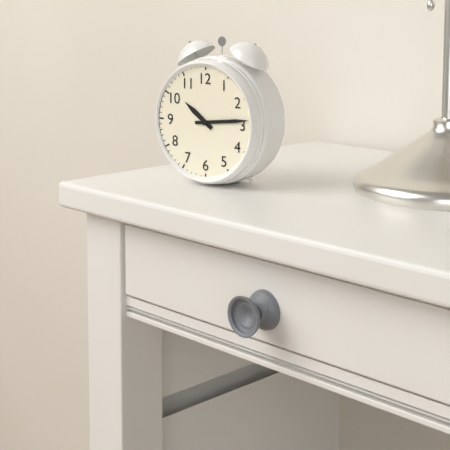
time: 10:14
